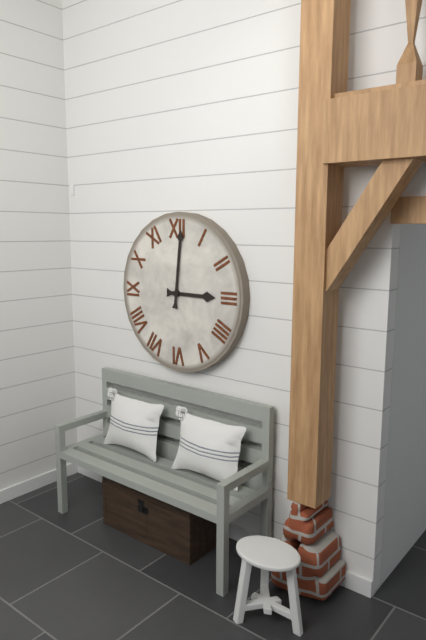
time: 3:01
